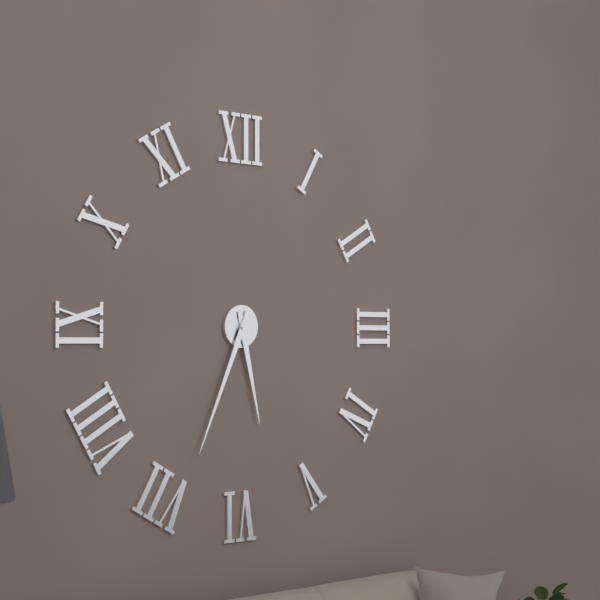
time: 5:34
